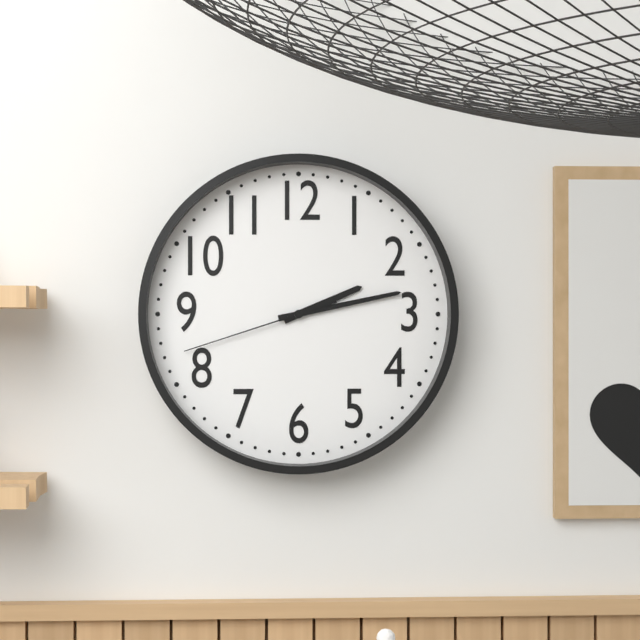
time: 2:13:42
